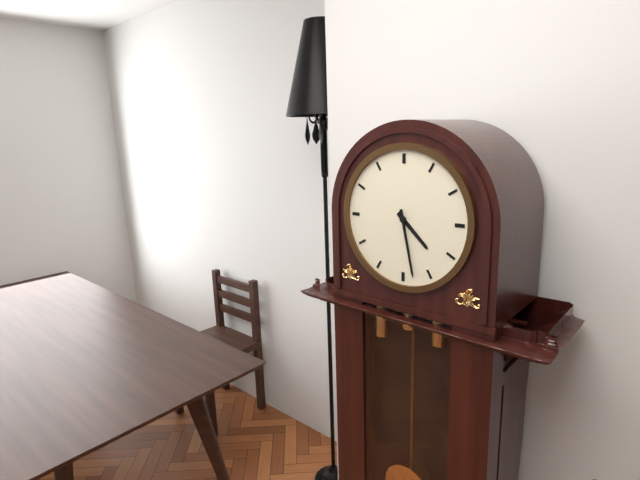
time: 4:28
